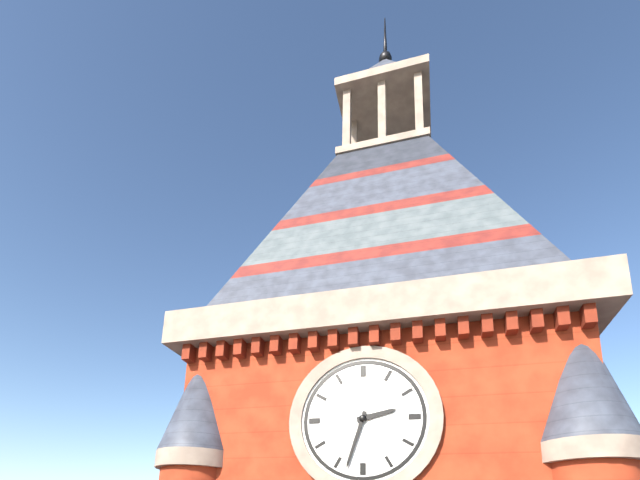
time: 2:33
